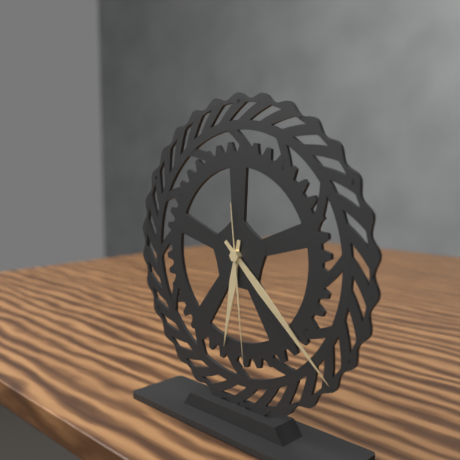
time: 6:22:29
